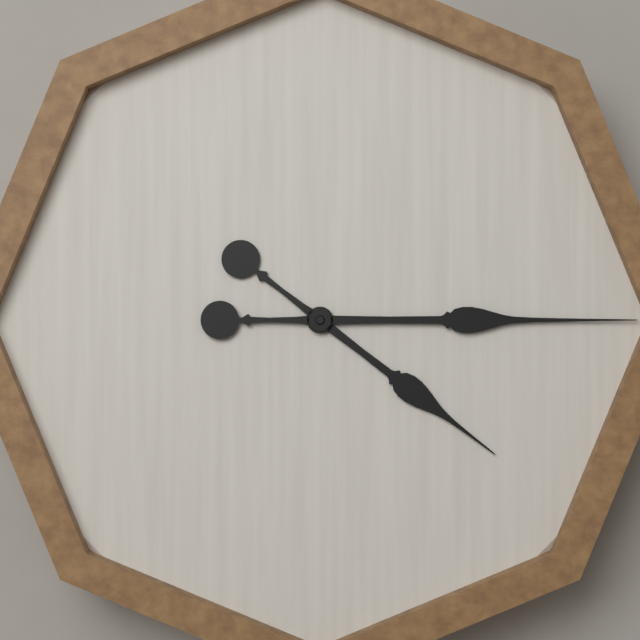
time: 4:15
